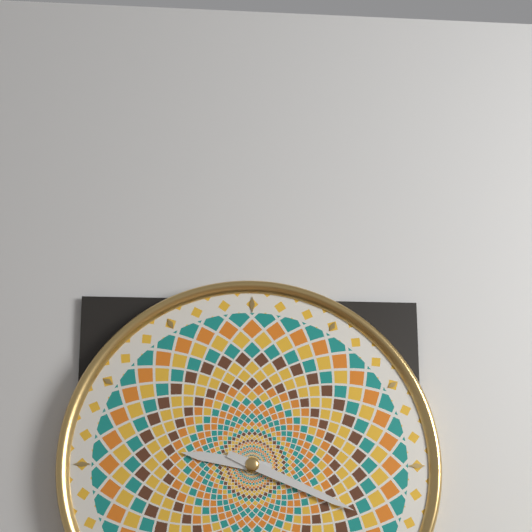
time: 9:19
